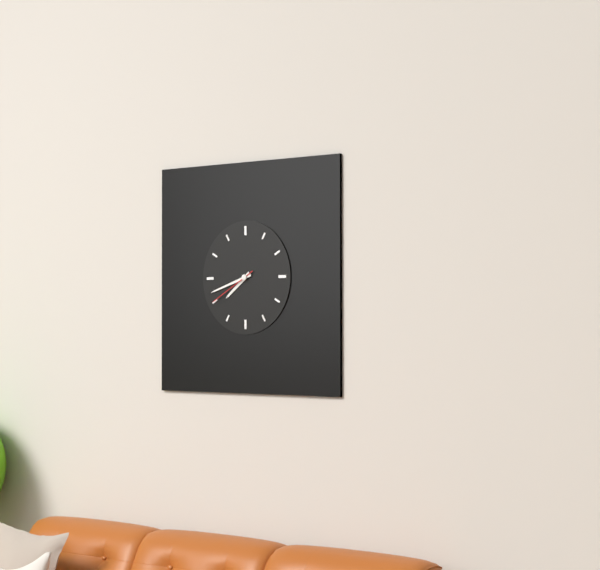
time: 7:42:40
